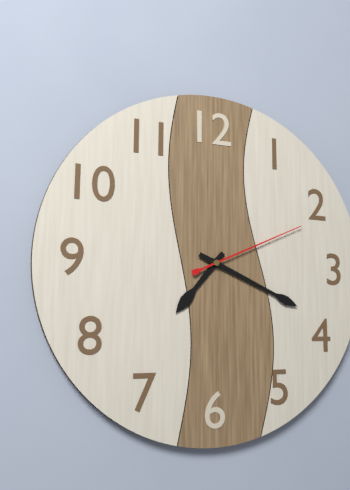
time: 7:19:11
